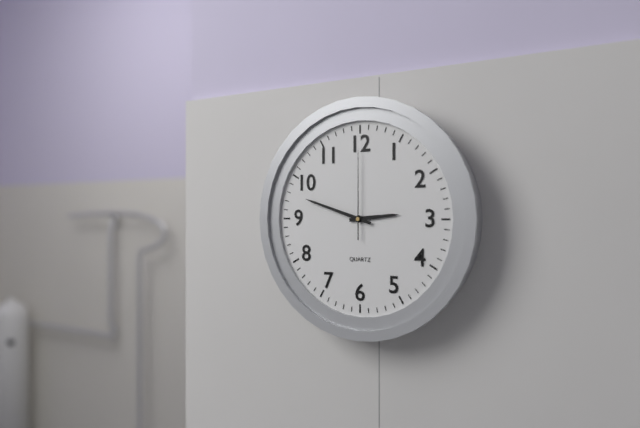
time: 2:48:00
